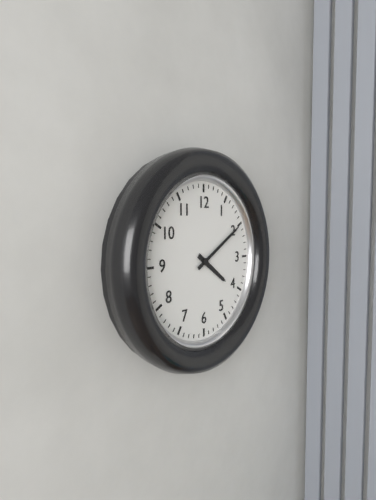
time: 4:10
